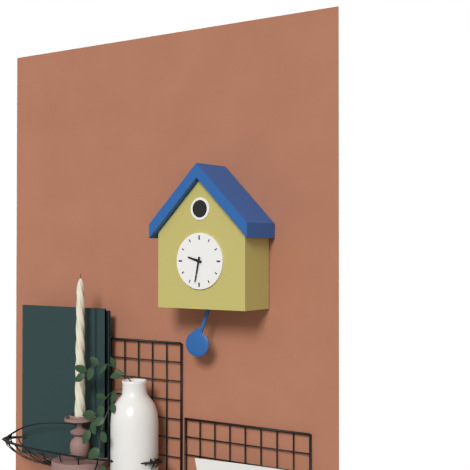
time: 9:32
